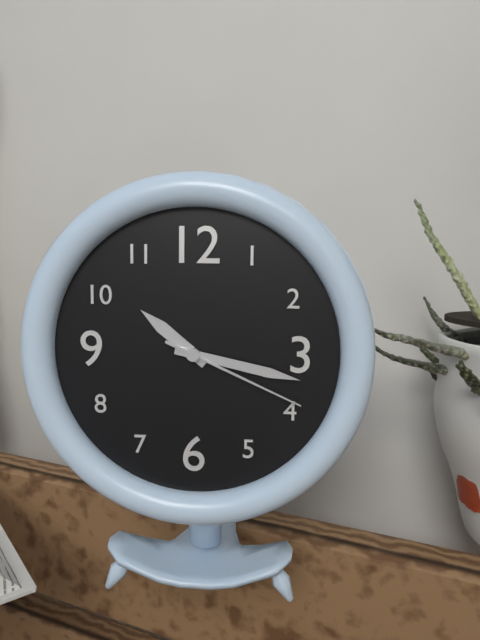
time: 10:17:19
